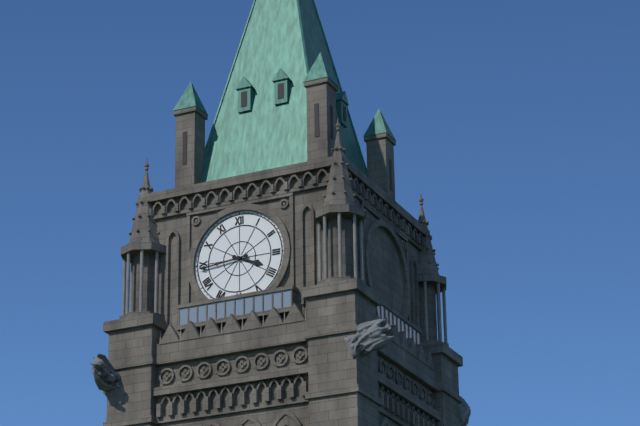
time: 3:44
